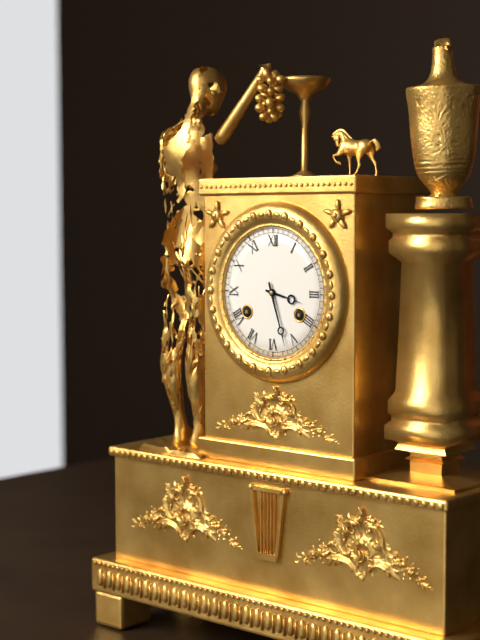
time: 3:27
